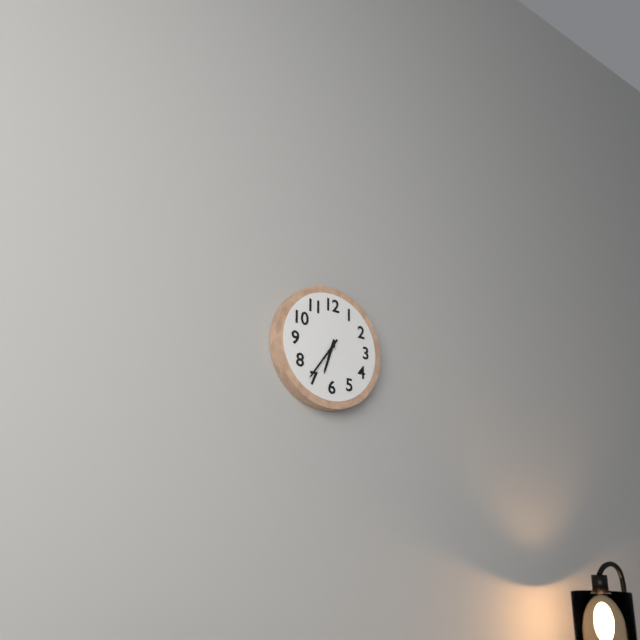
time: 6:36
